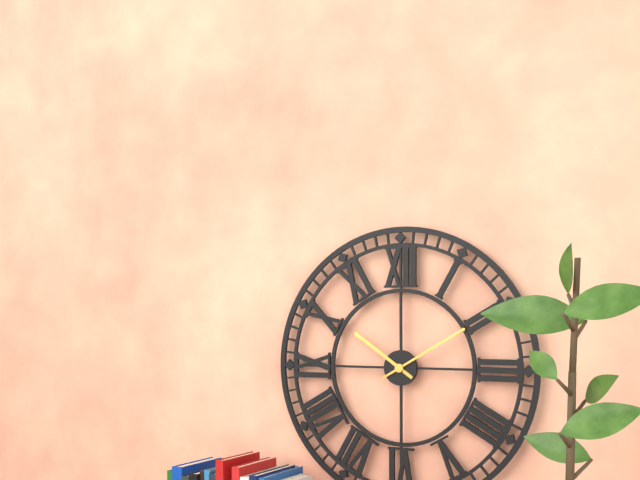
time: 10:10
